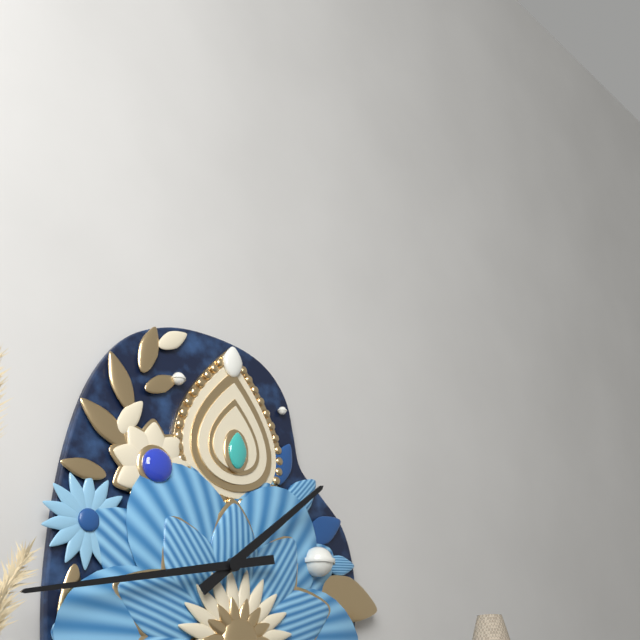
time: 1:43
